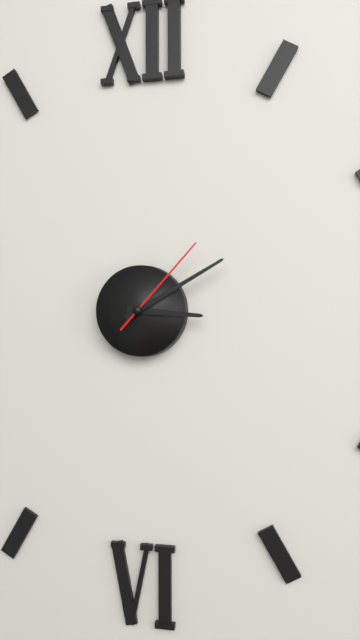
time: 3:10:07
